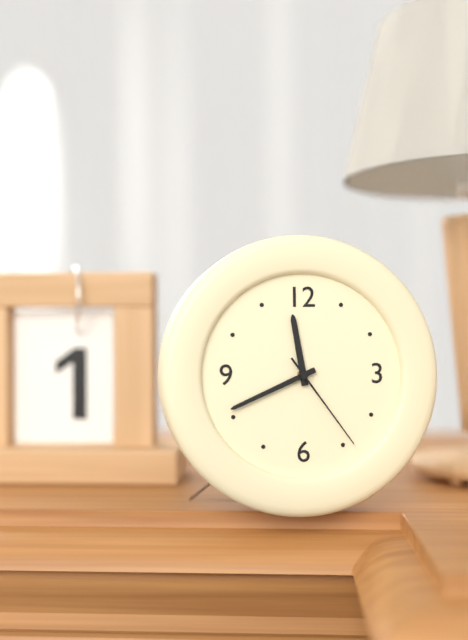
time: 11:41:24
